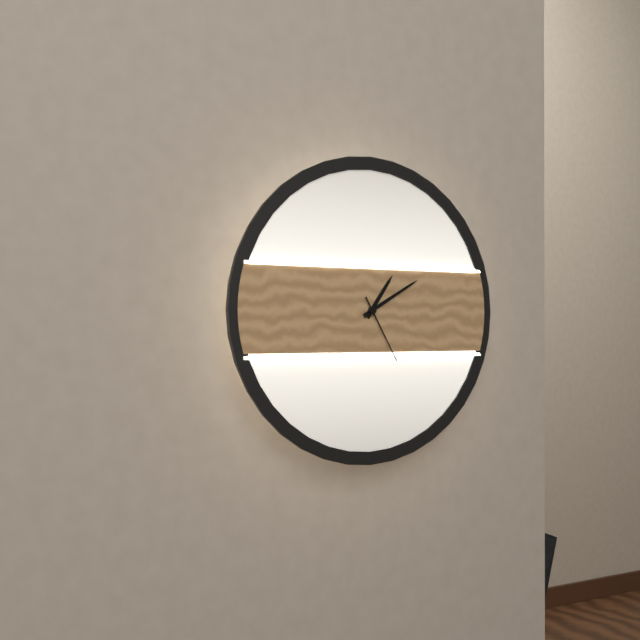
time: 1:10:25
